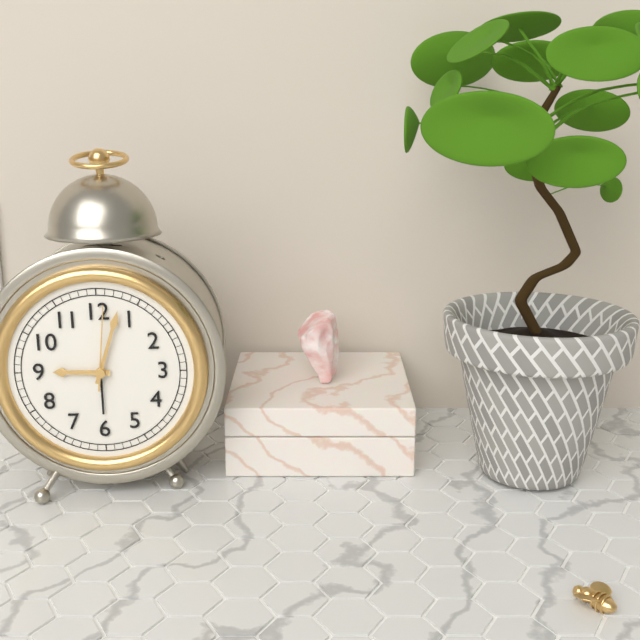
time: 9:03:01
